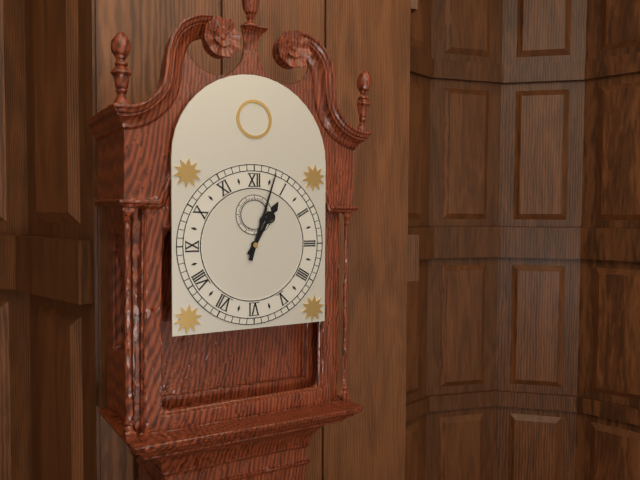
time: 1:03
